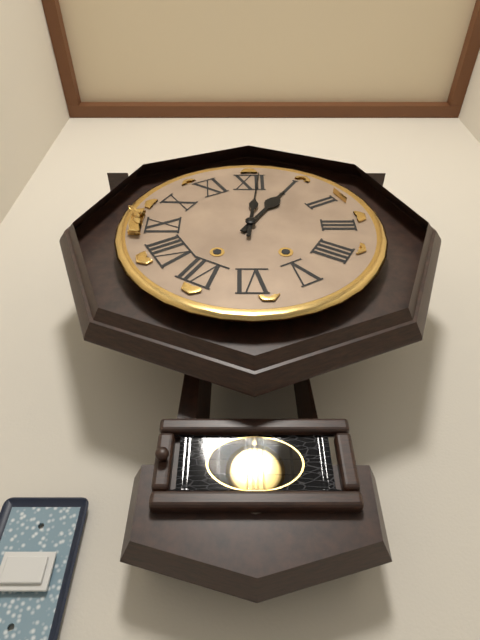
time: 1:01
